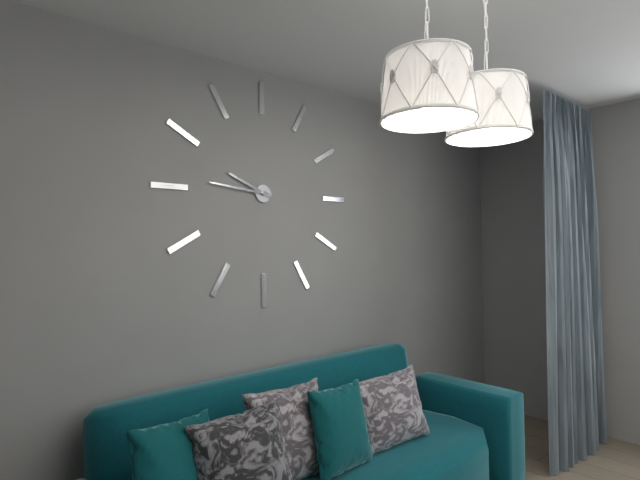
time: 9:46
